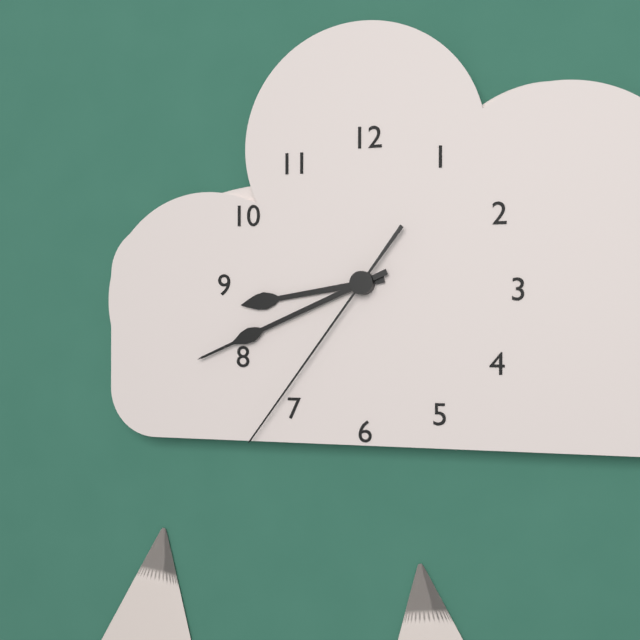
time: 8:41:36
